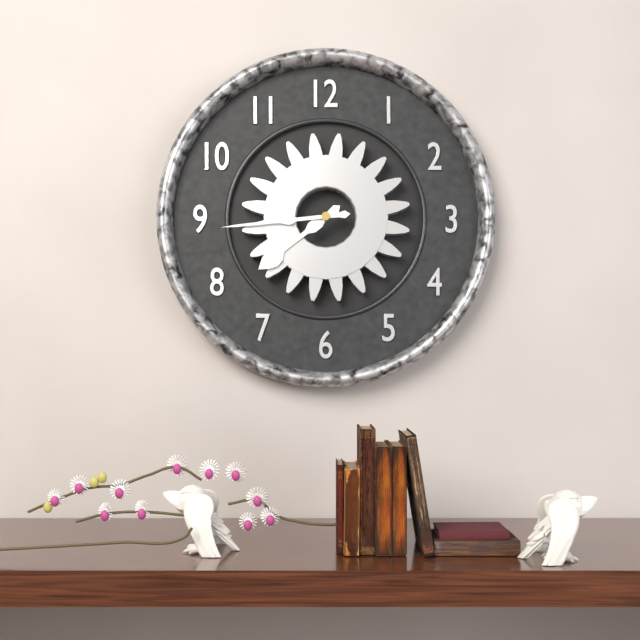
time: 7:44
